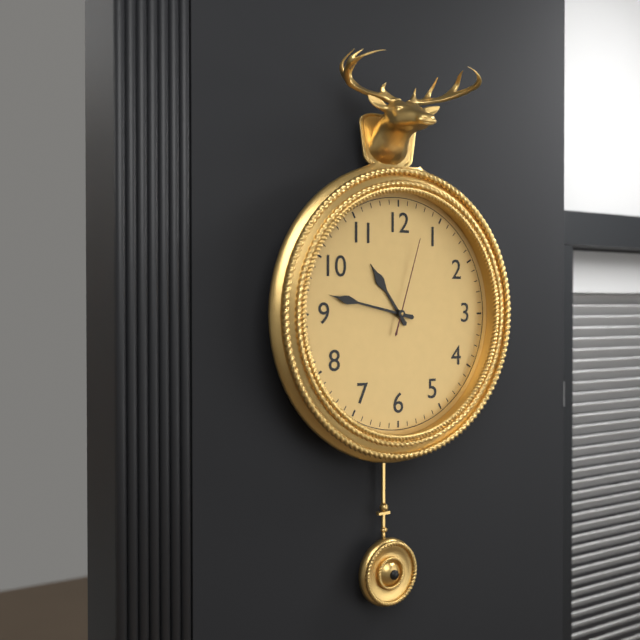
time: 10:47:03
